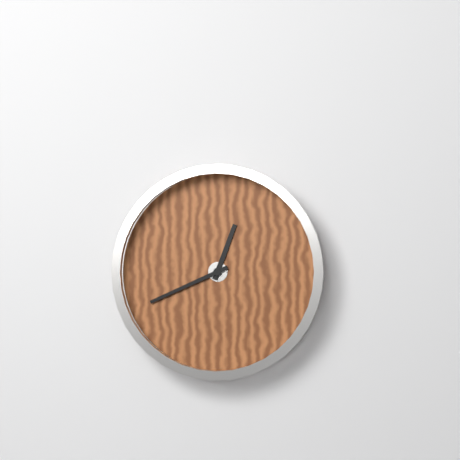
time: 12:41
